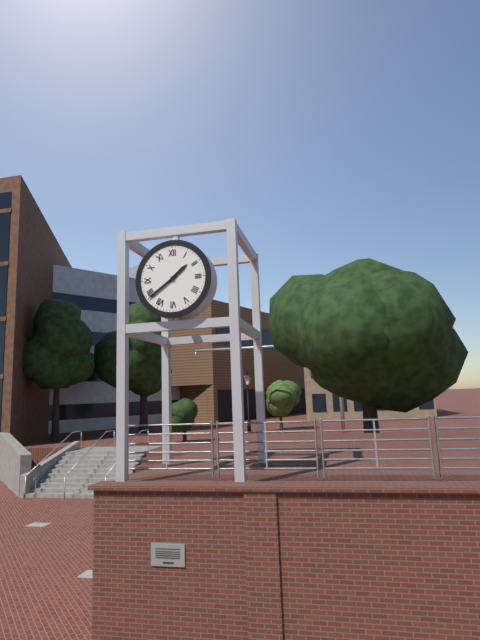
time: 1:39
